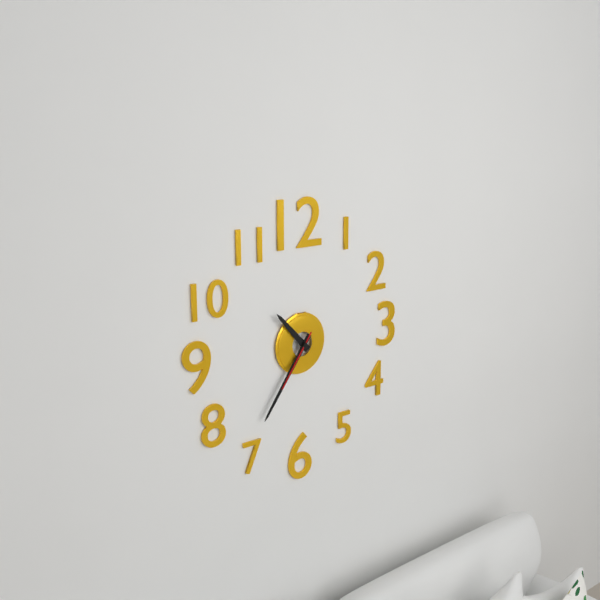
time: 10:36:36
